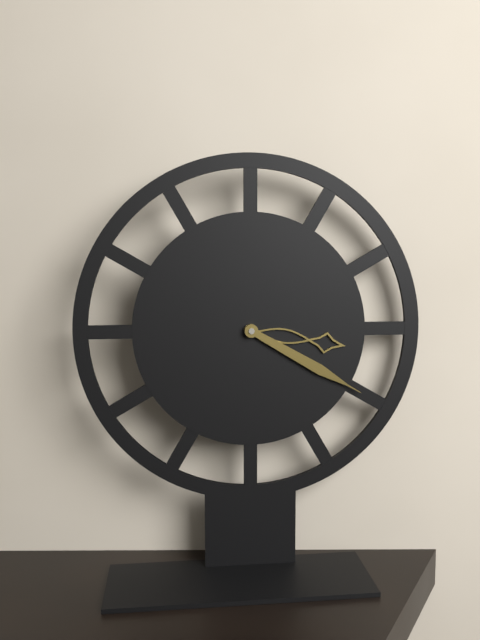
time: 3:20
